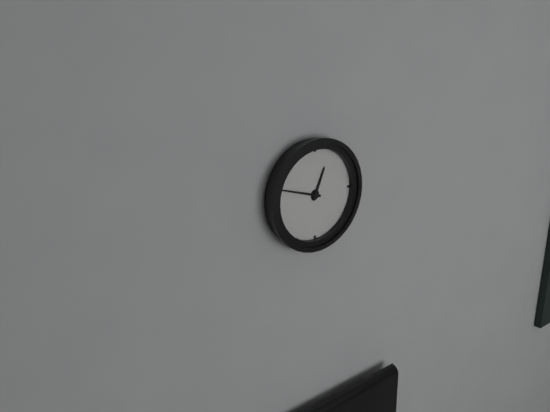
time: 12:48
